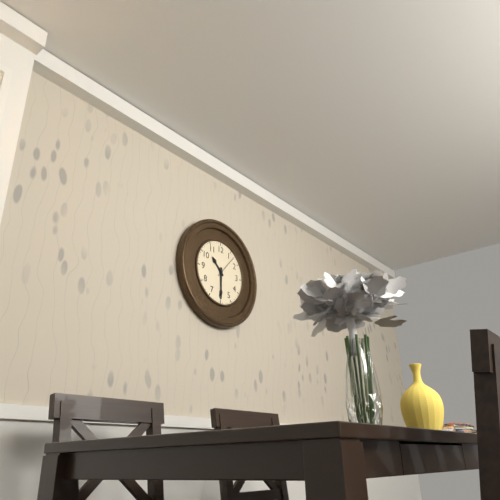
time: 10:30
